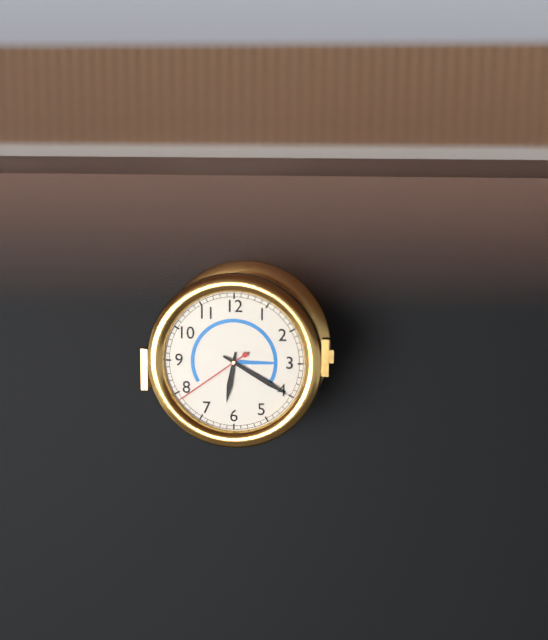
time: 6:20:39
